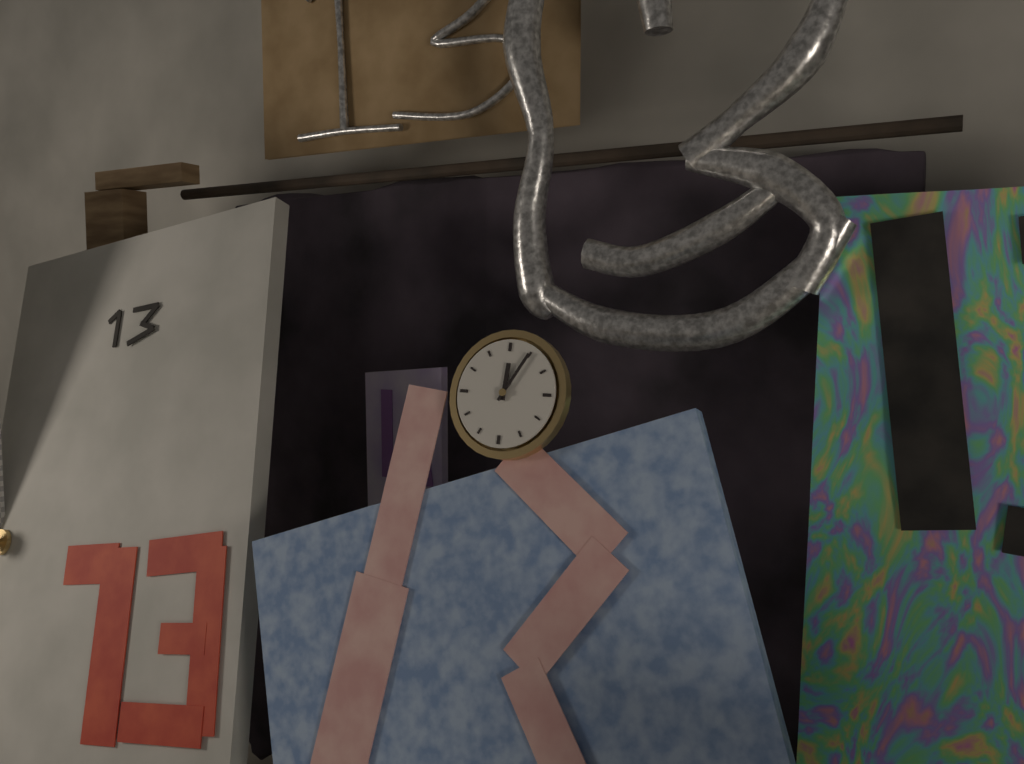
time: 12:05
